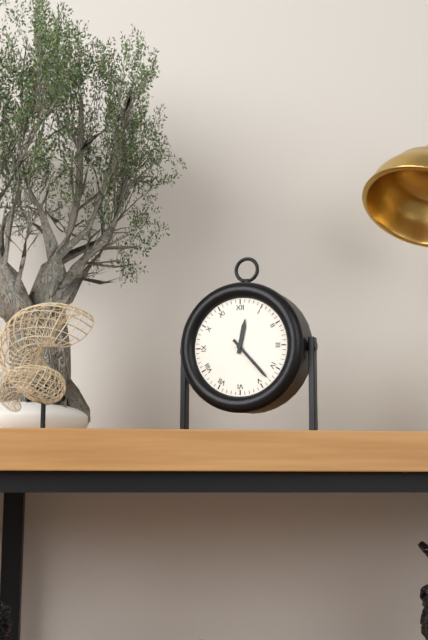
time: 12:23
